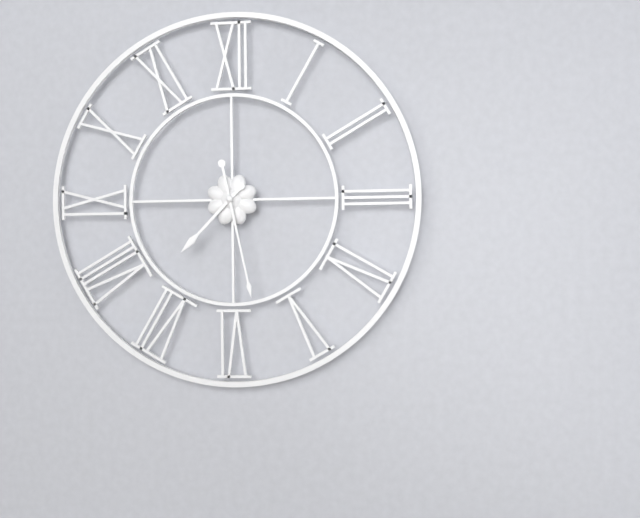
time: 7:28
